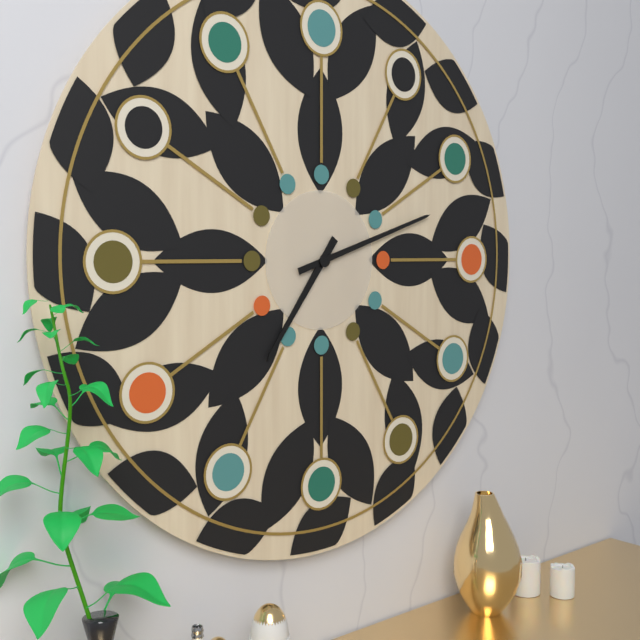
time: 7:12
